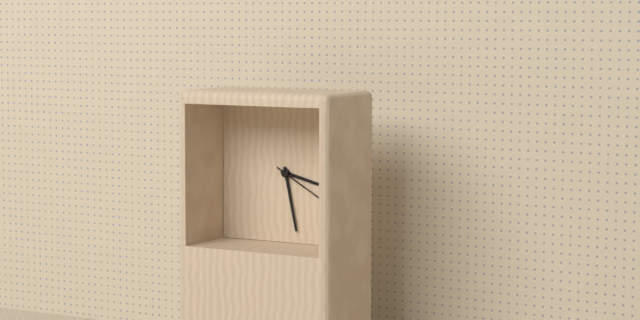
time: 3:28:20
